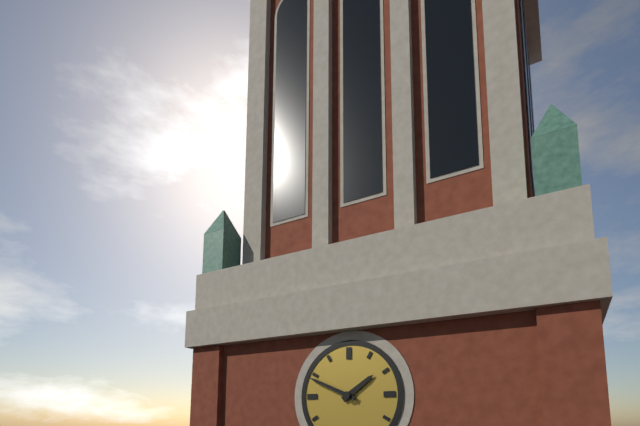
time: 1:49
